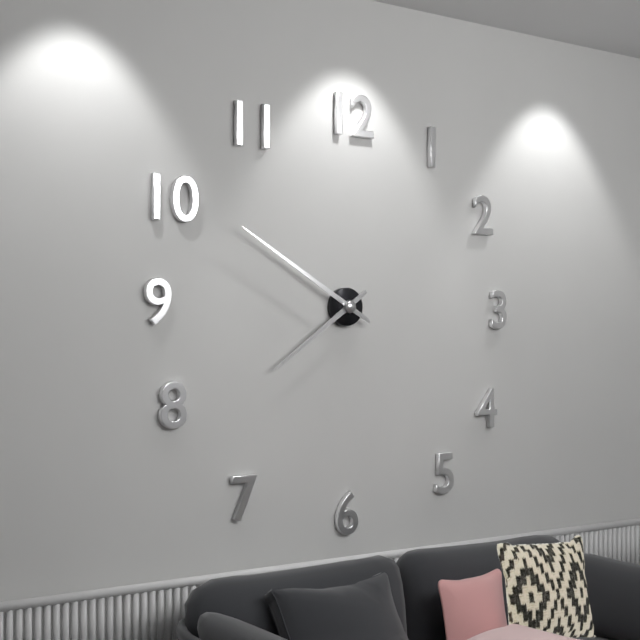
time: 7:50
